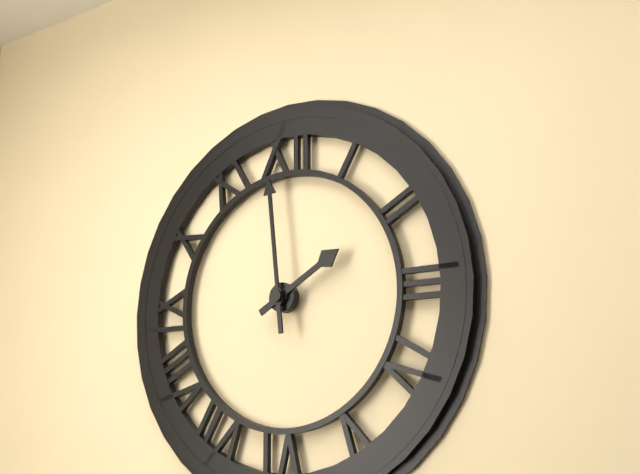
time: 1:59
